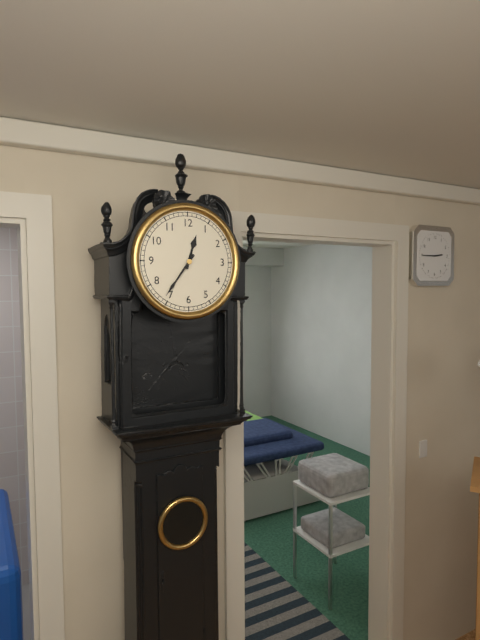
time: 12:36
